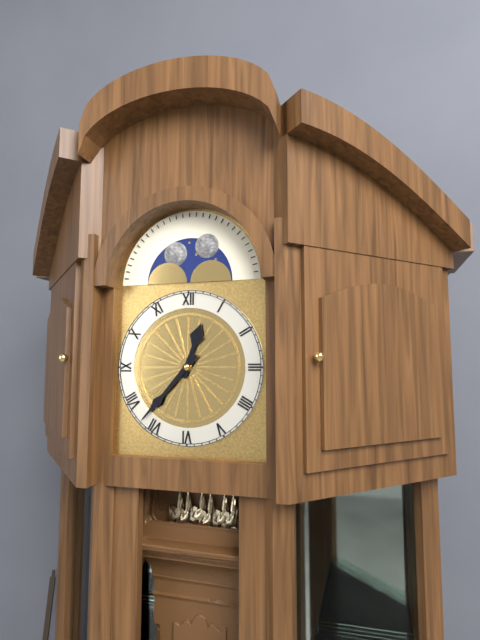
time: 12:37
